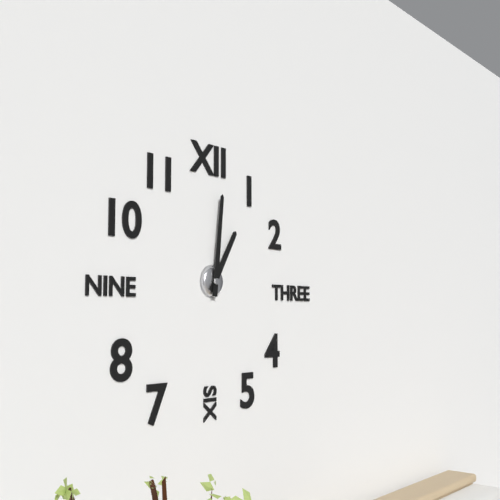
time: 1:01
